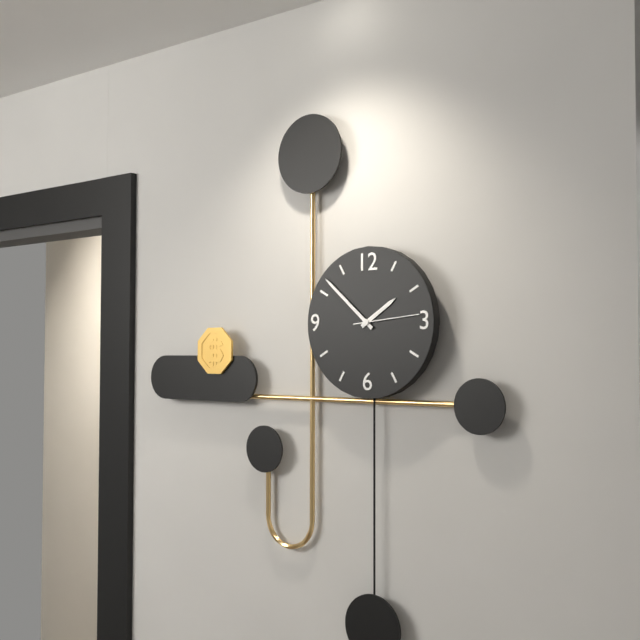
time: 1:52:14
